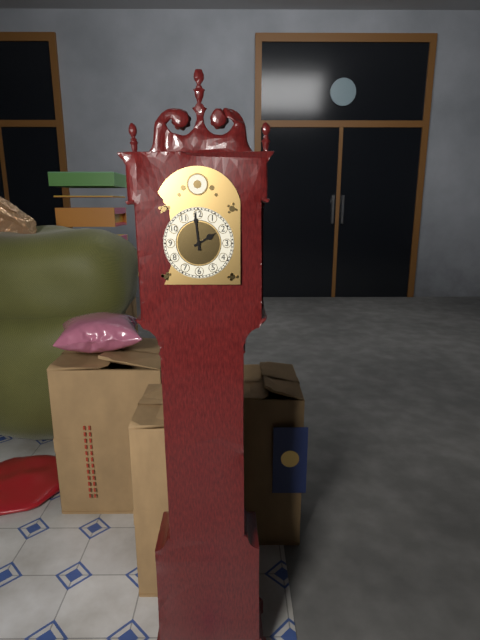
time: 1:59
